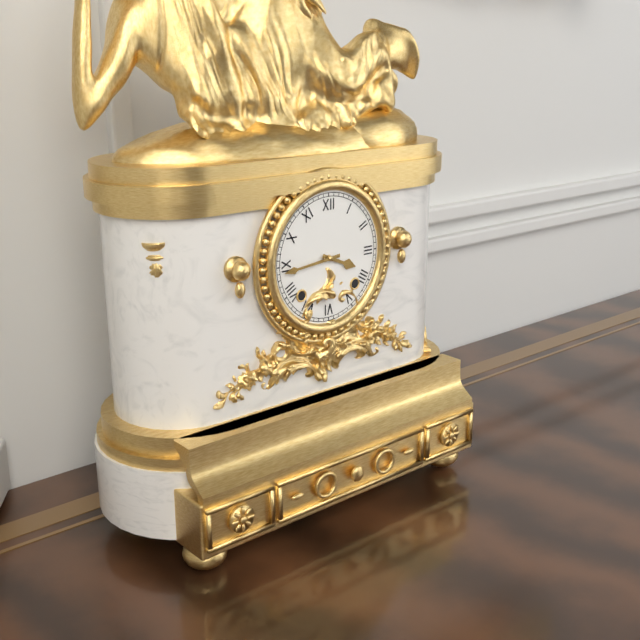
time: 3:44
